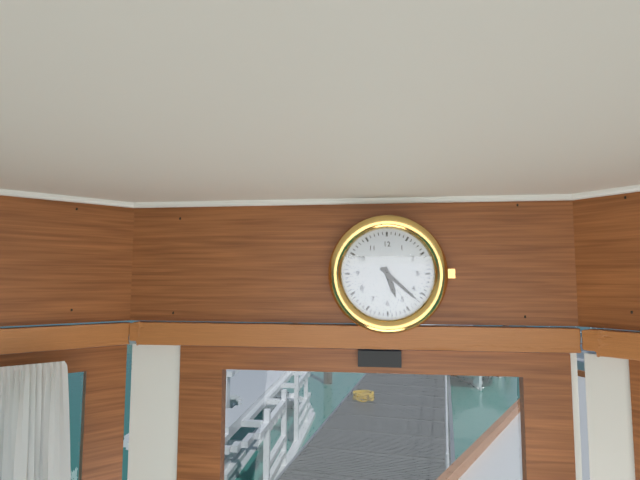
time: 5:22
